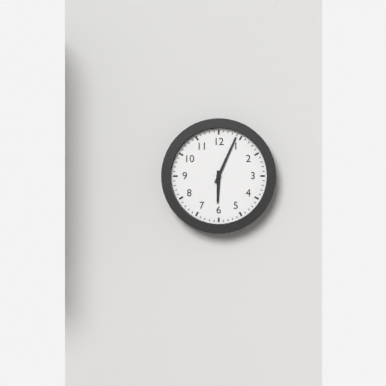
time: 6:04
